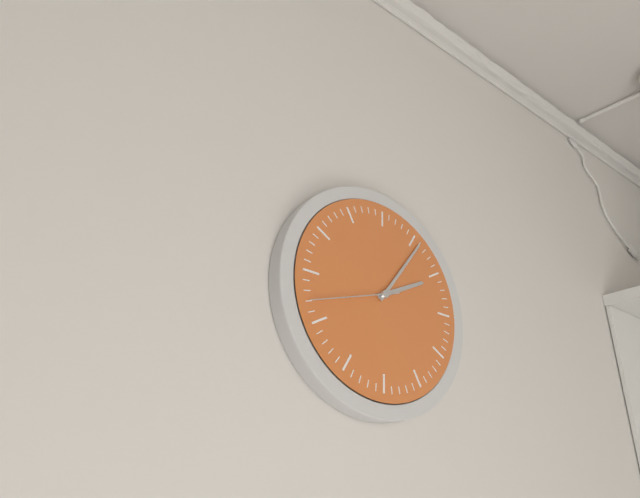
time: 2:06:42
